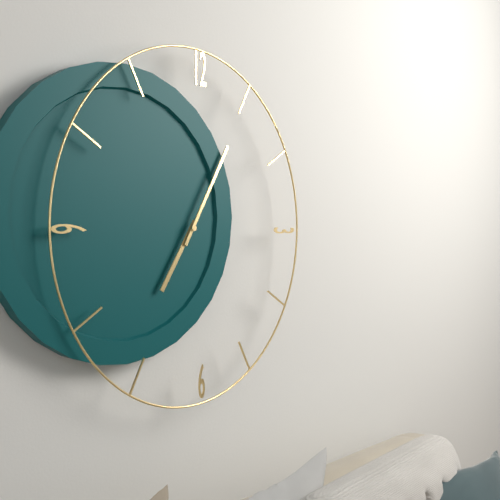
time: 7:05
